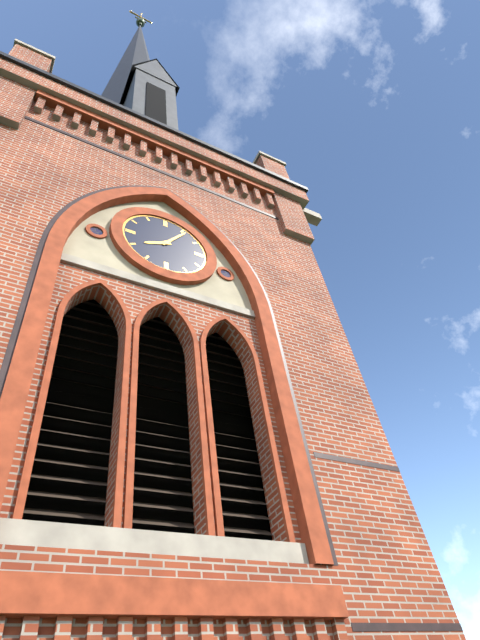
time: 8:06
